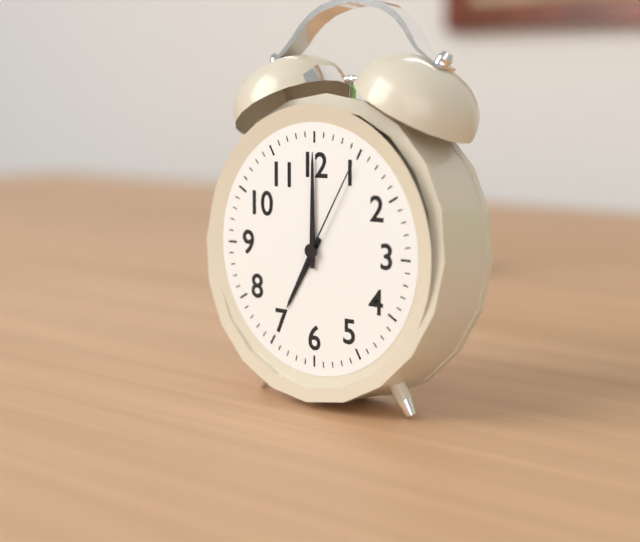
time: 7:00:05
